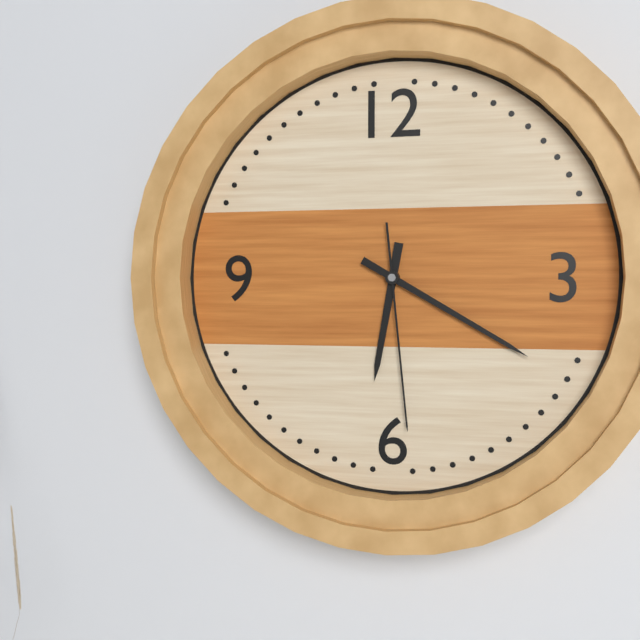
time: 6:20:29
